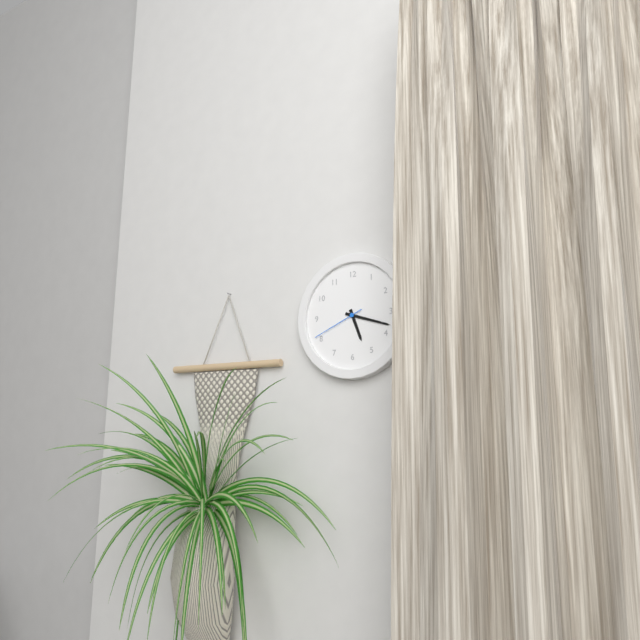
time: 5:18:41
